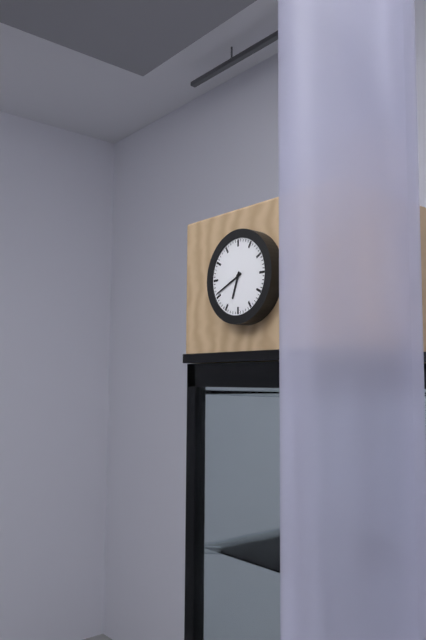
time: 6:41
